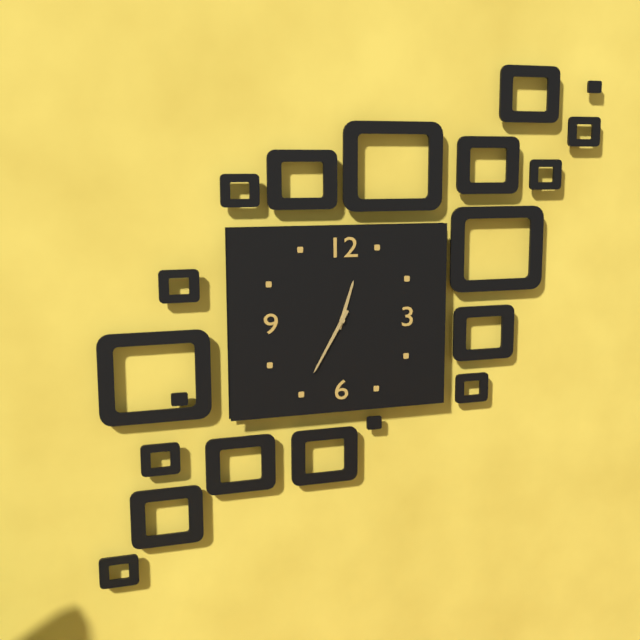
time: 12:35
